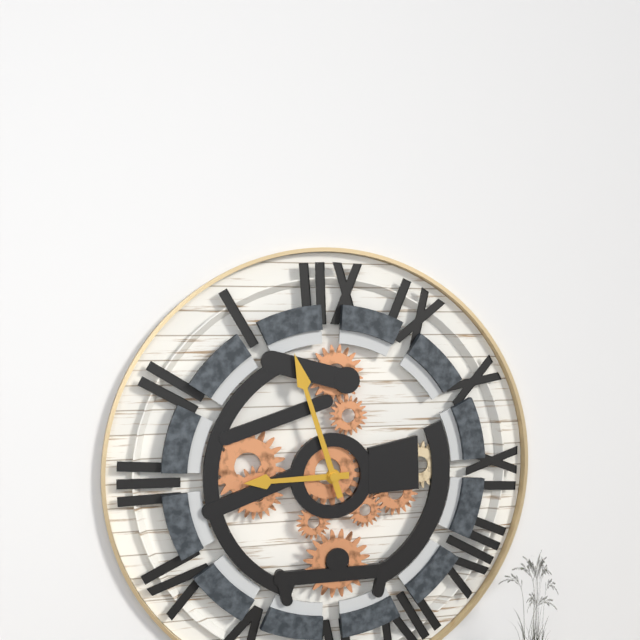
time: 8:57
